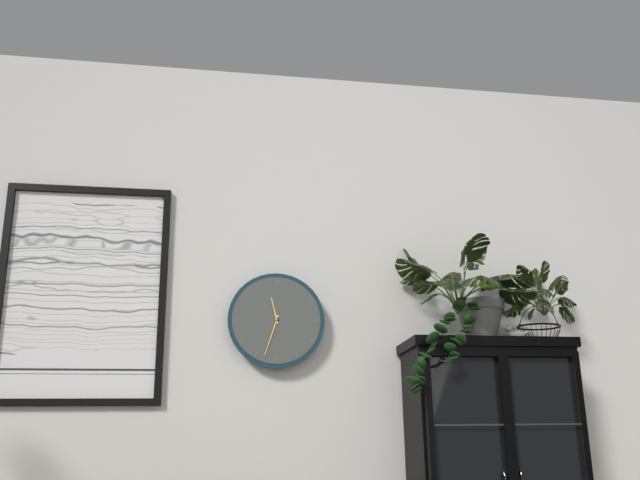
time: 11:33
